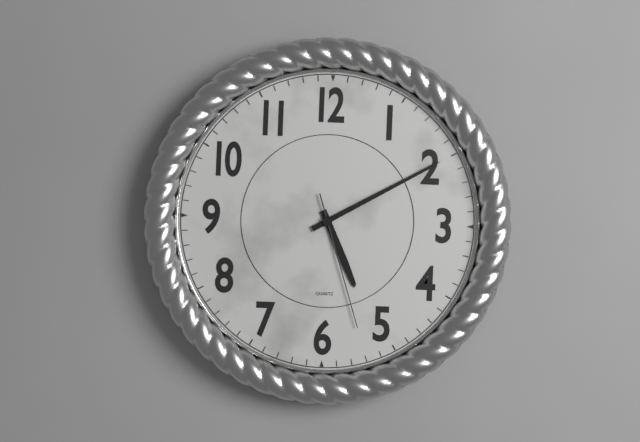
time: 5:10:27
